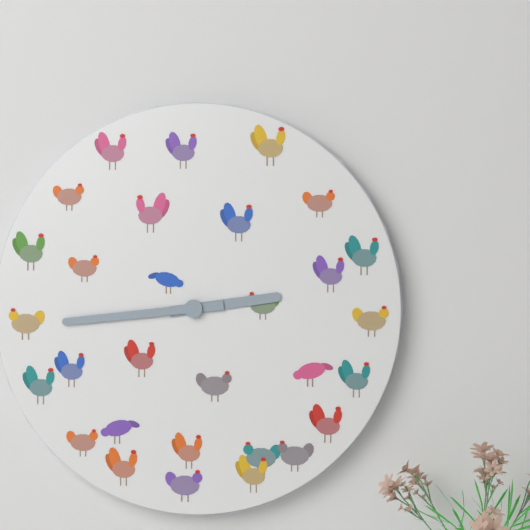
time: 2:44
